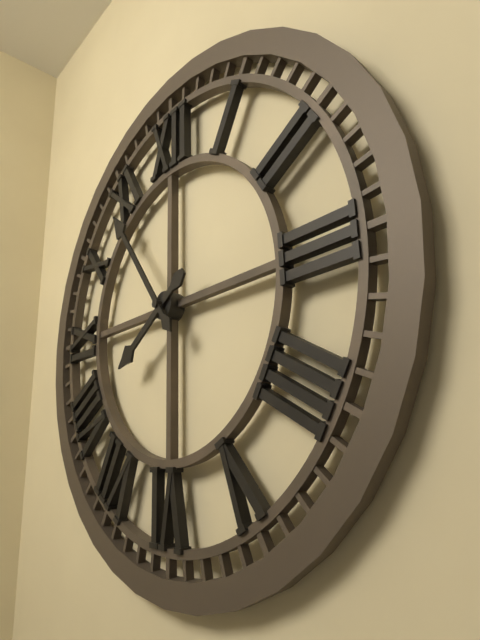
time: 7:54
